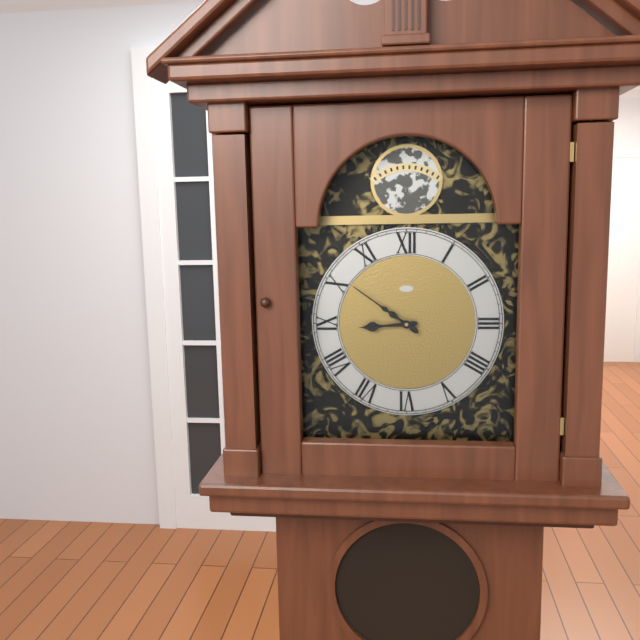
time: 8:51
